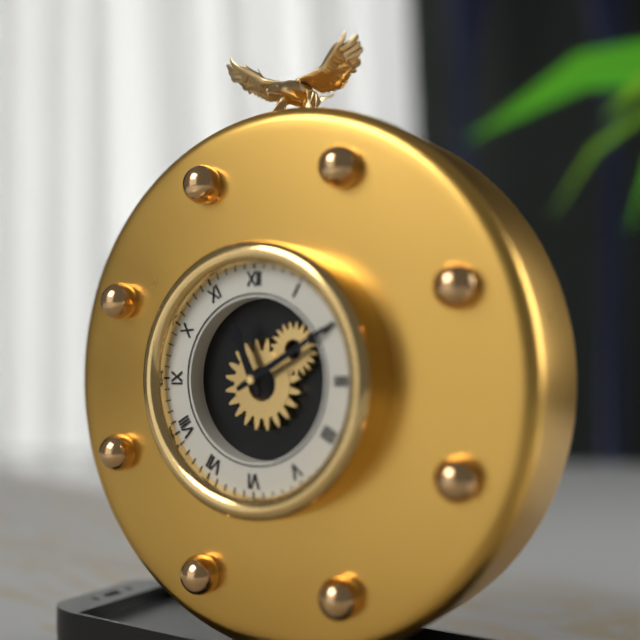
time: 11:10
